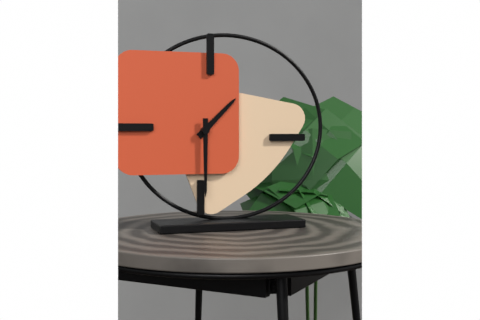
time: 1:30
